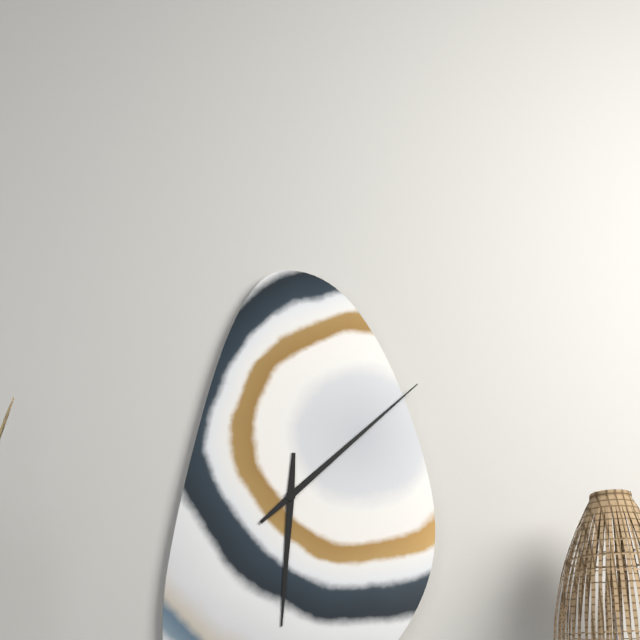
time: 6:08
